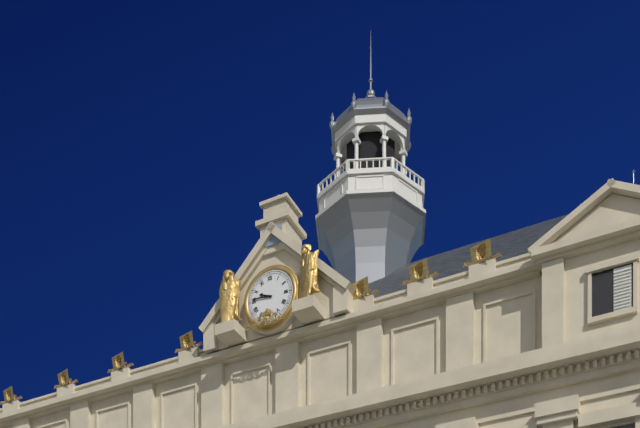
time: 9:46
